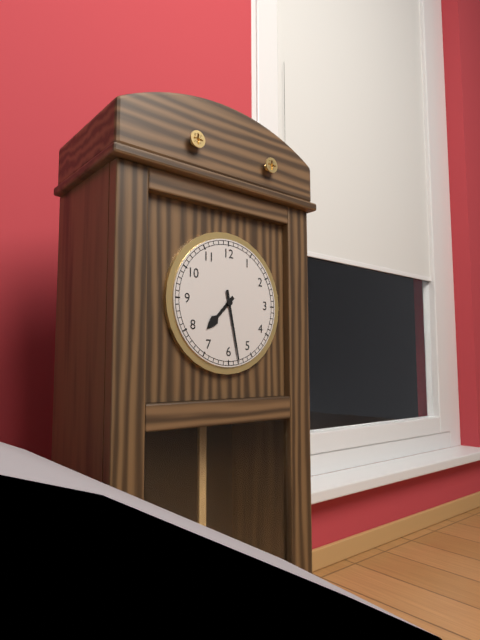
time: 7:28
